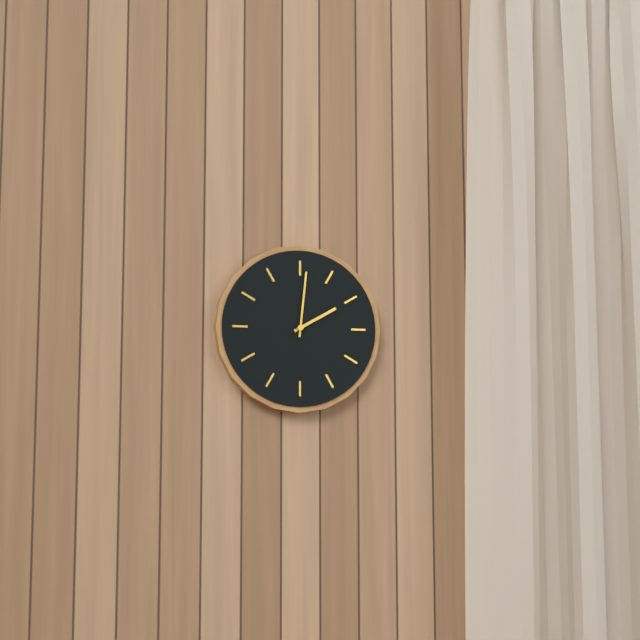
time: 2:01
